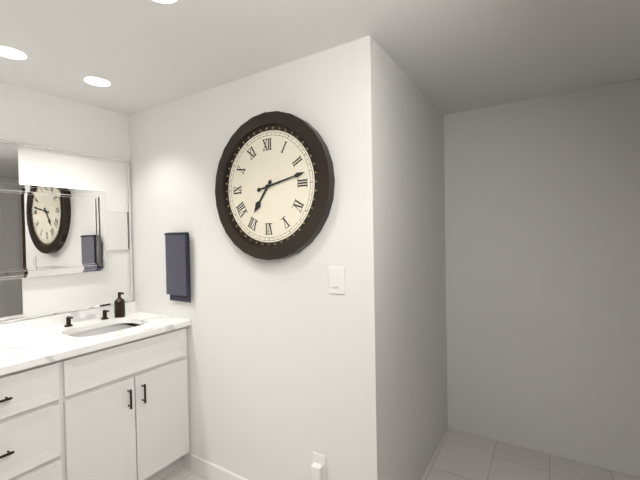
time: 7:13
